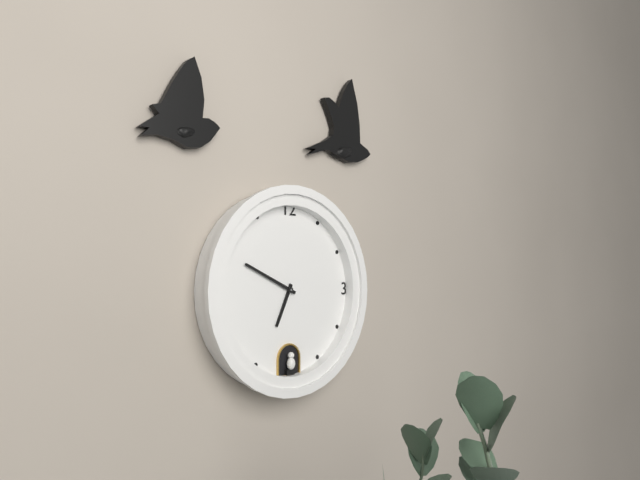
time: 6:49
